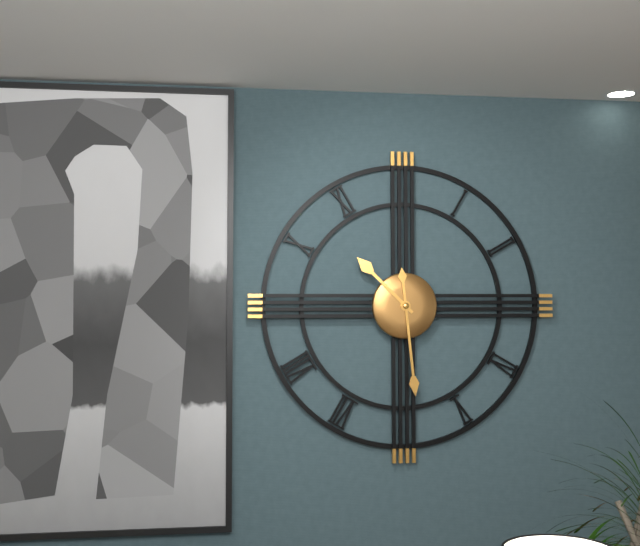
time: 10:29
